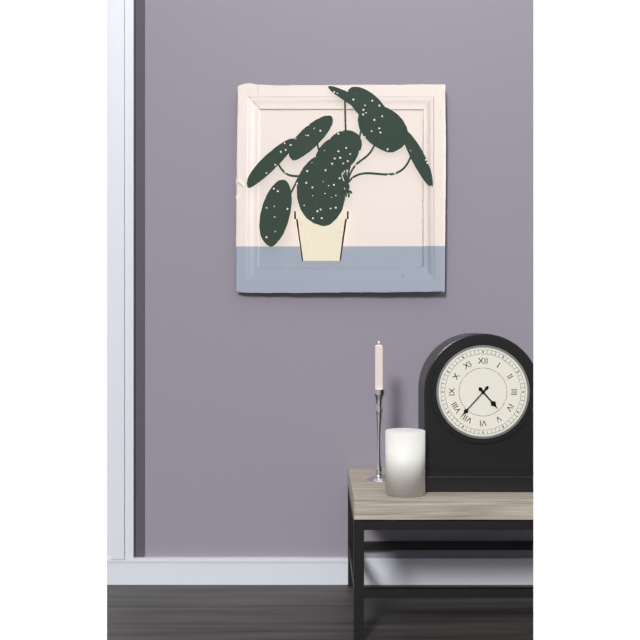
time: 4:37
